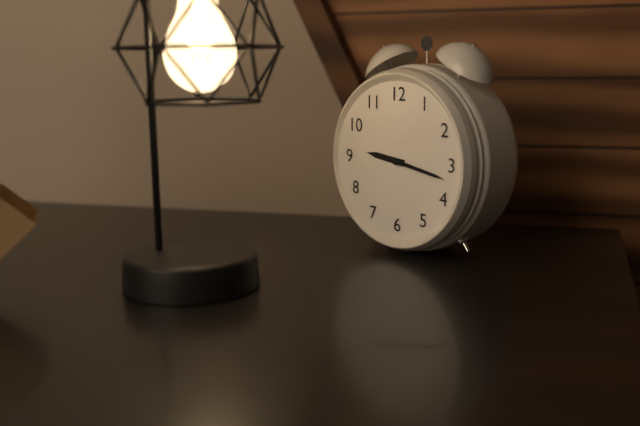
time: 9:17
